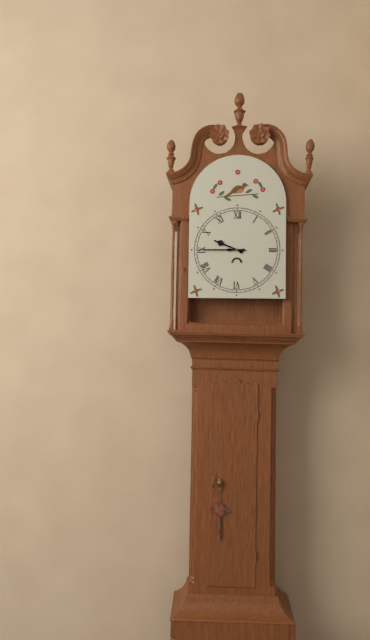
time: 9:45
